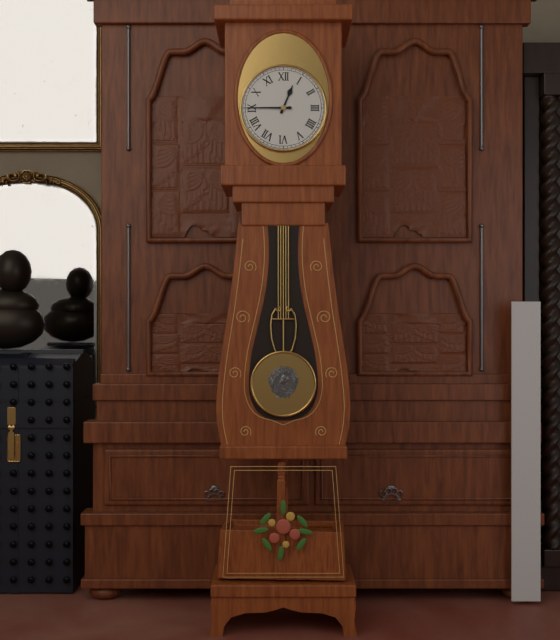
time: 12:45
